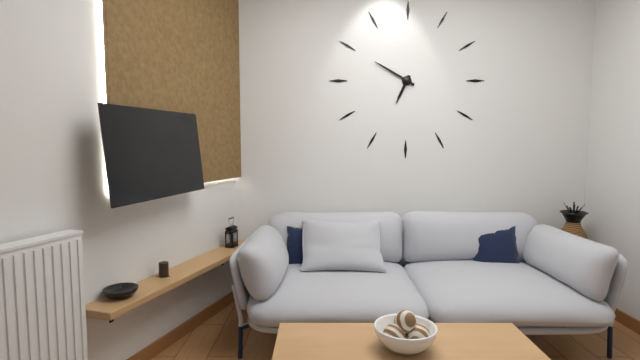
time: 6:50
